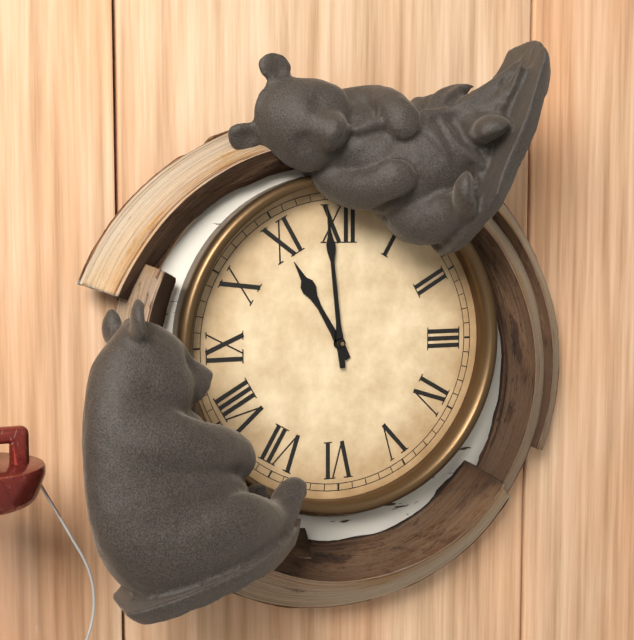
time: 10:59
